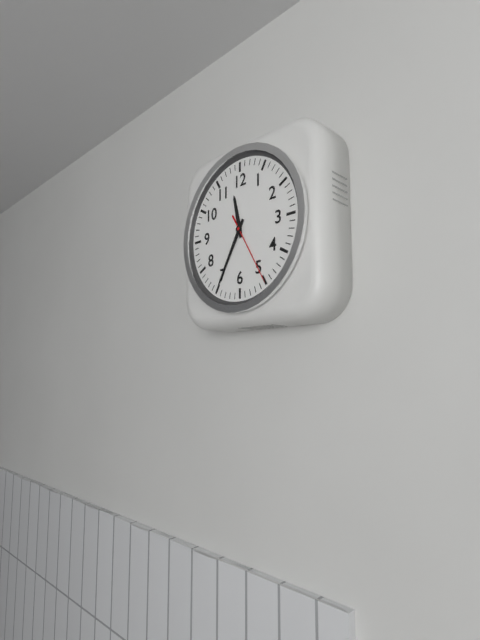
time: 11:35:25
